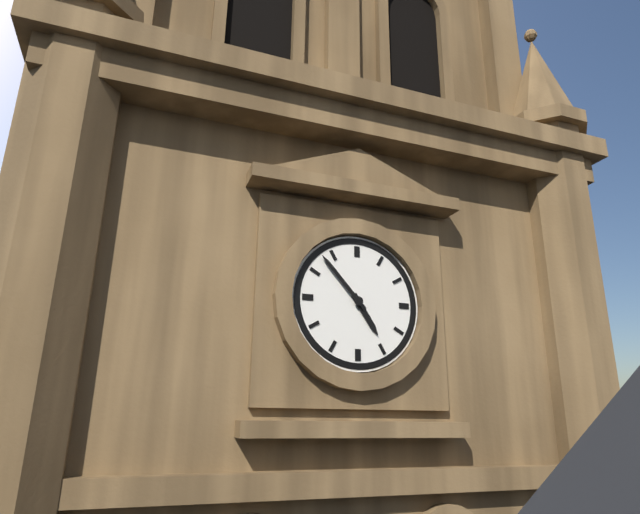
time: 4:53
